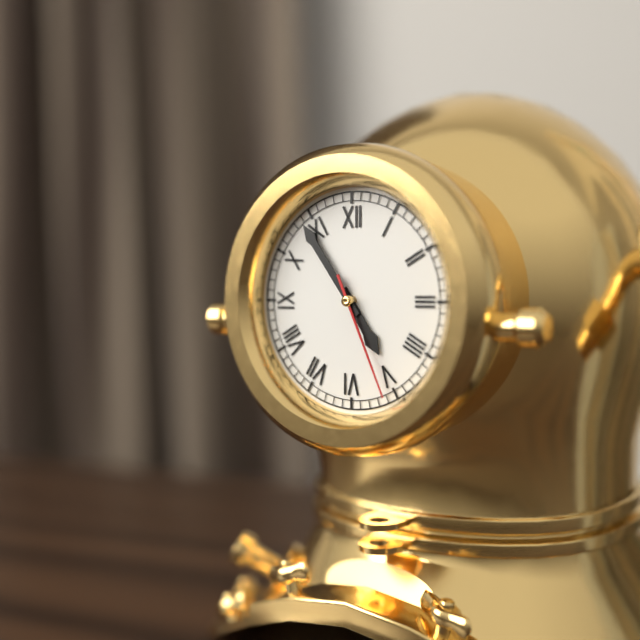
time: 4:54:26
